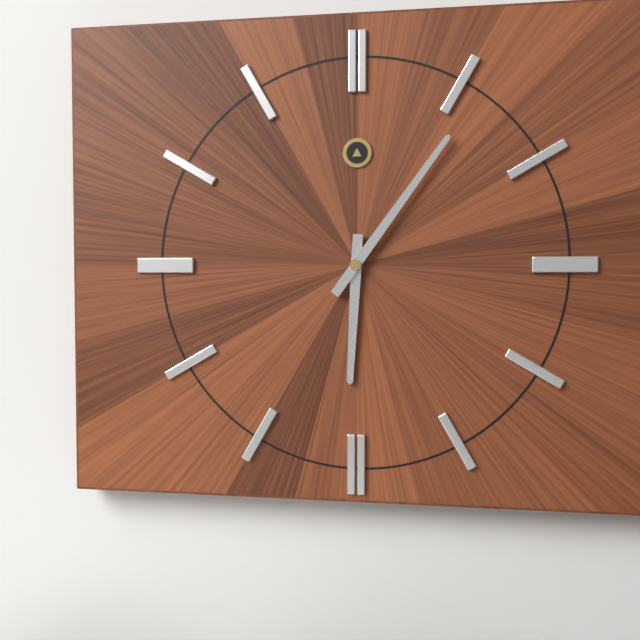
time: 6:06
